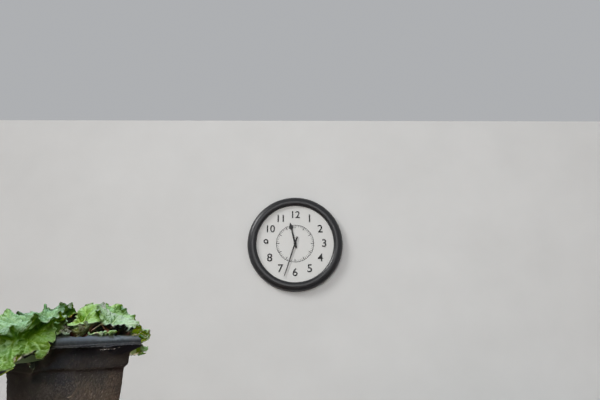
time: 11:33
